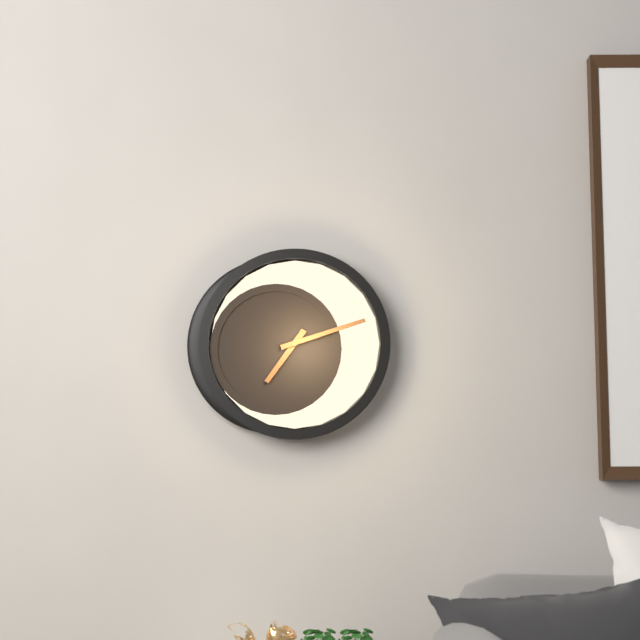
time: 7:12
